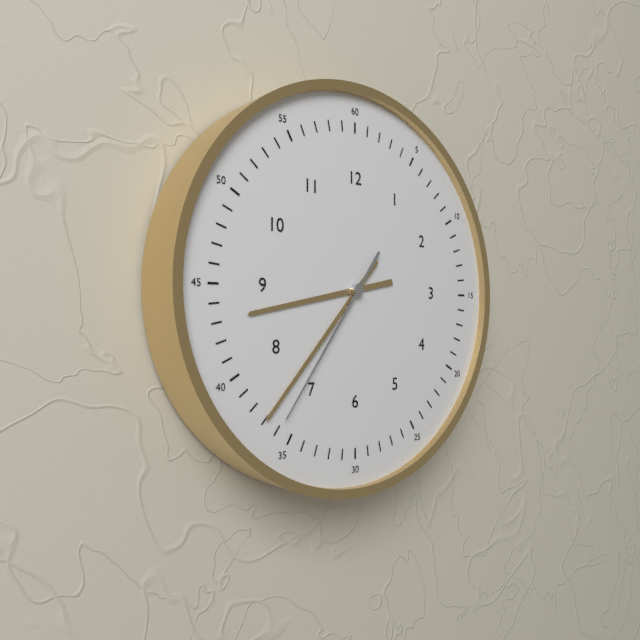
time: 8:37:36
